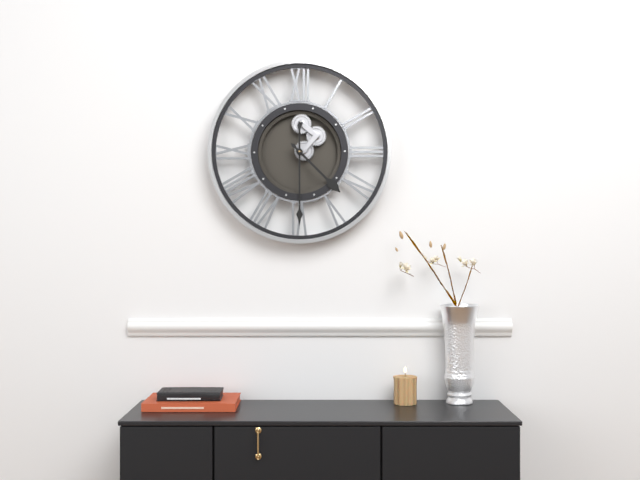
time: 4:30
